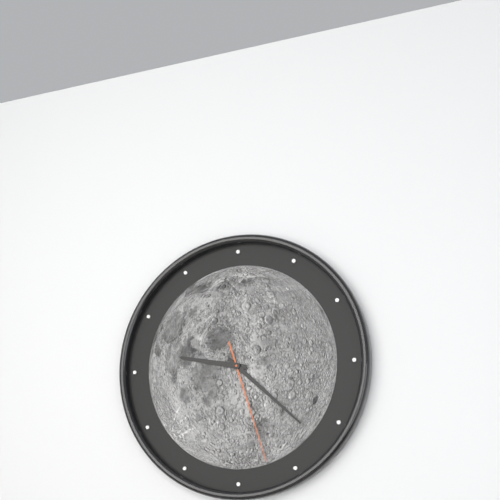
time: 9:22:27
